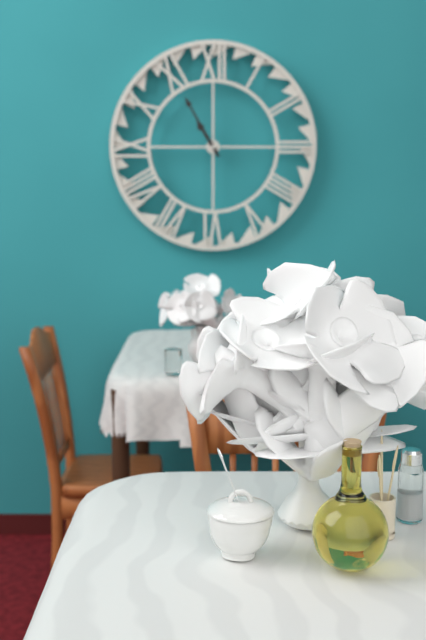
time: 10:55
